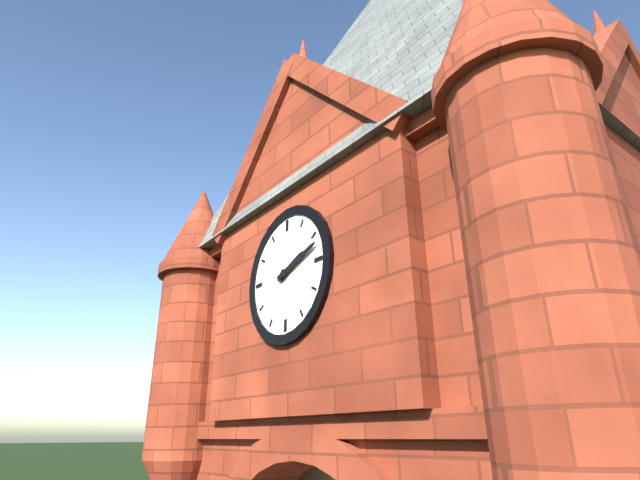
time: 2:12
